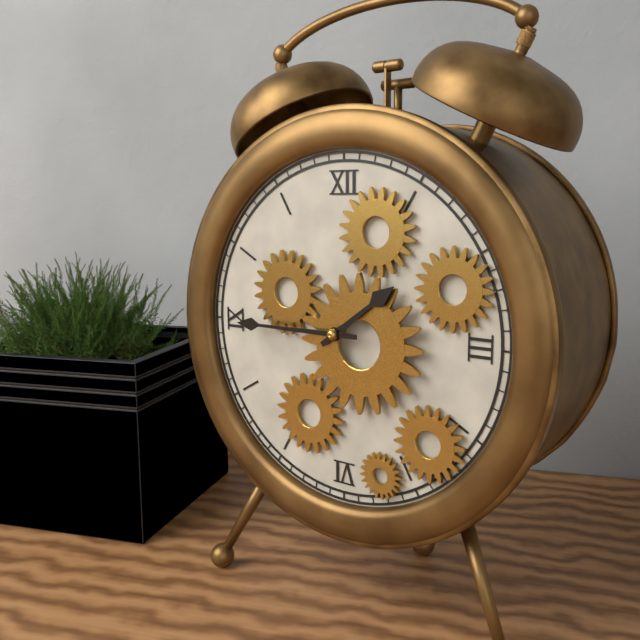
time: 1:45
